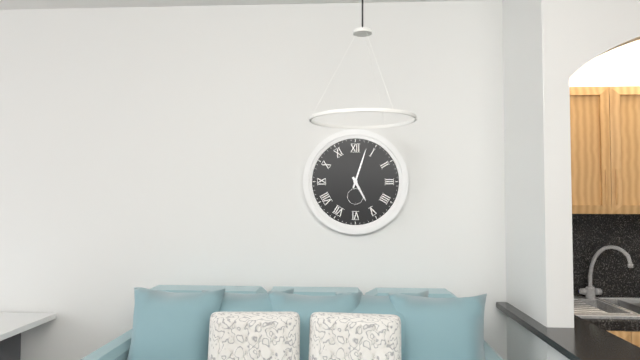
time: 5:03
